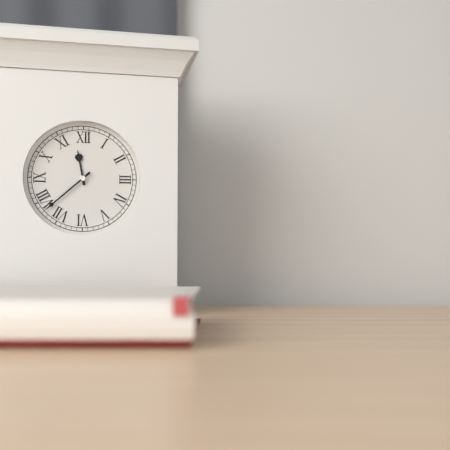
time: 11:38
